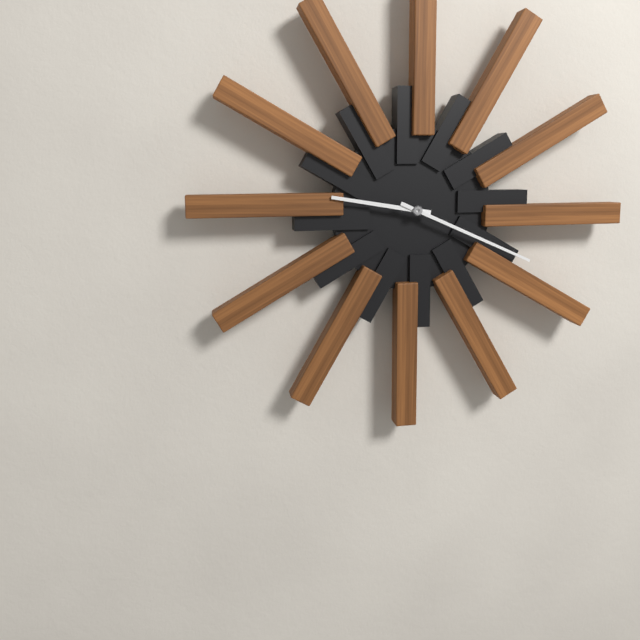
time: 9:19
